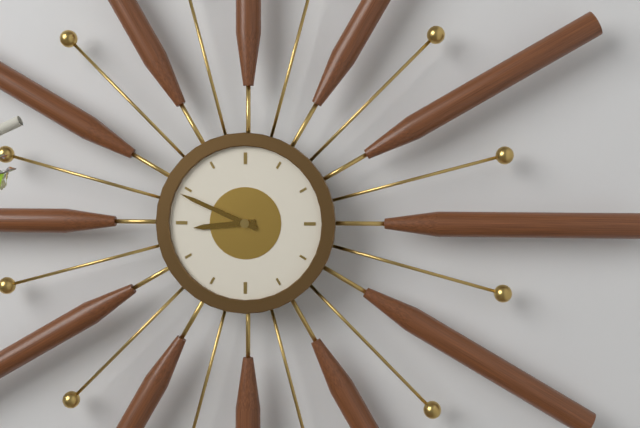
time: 8:49
